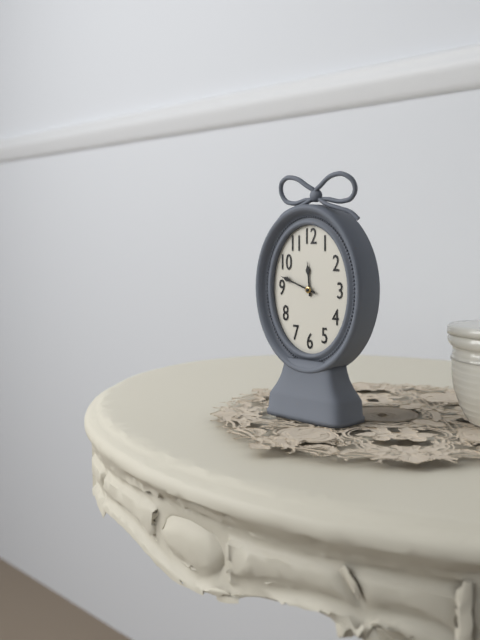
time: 11:48
